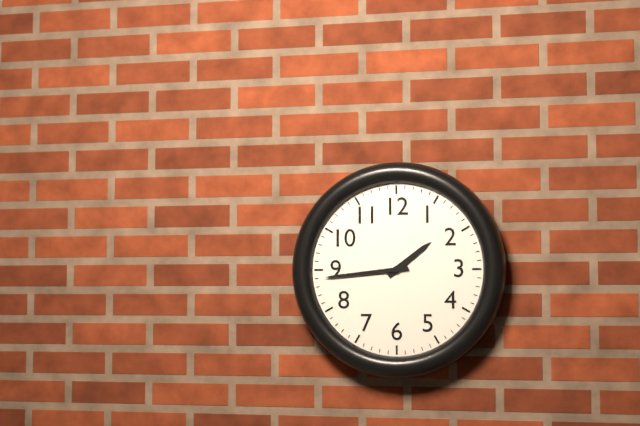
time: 1:44
